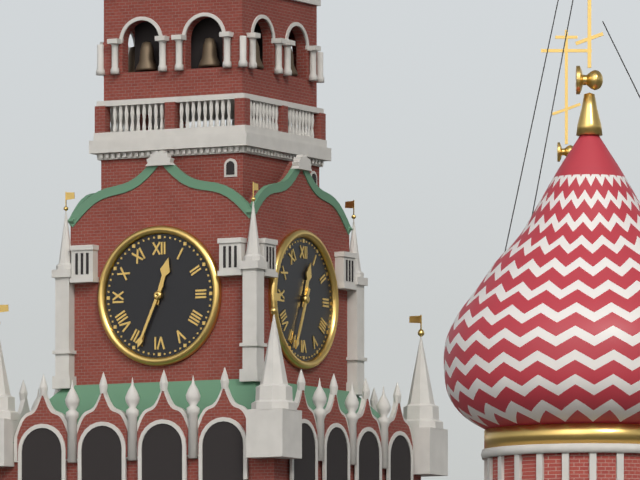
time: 12:34
